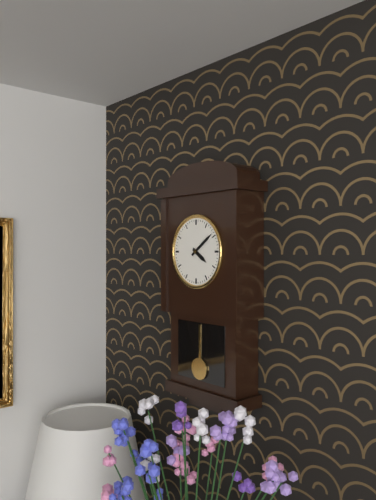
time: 4:09
